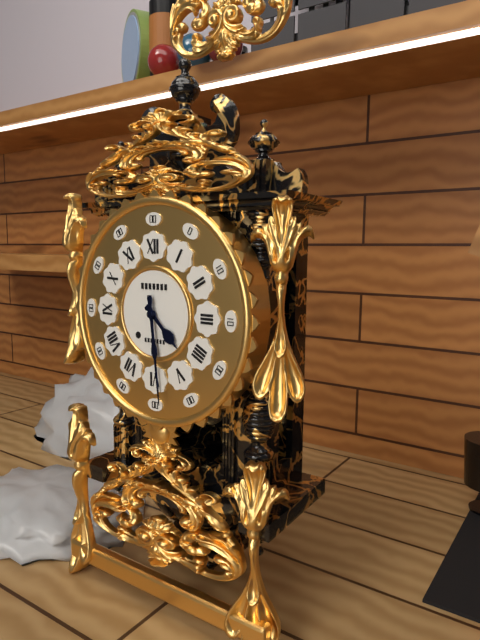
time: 4:29
